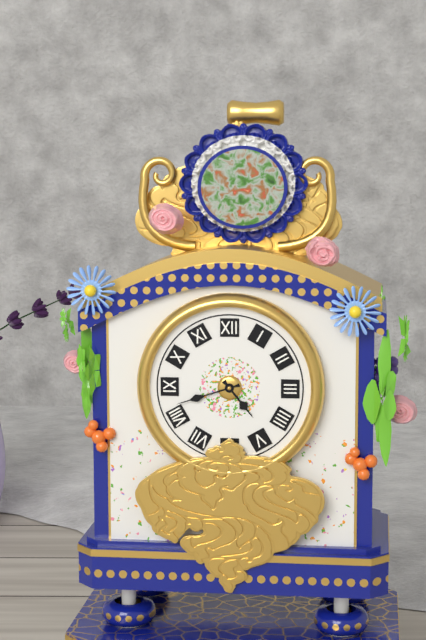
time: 4:42
